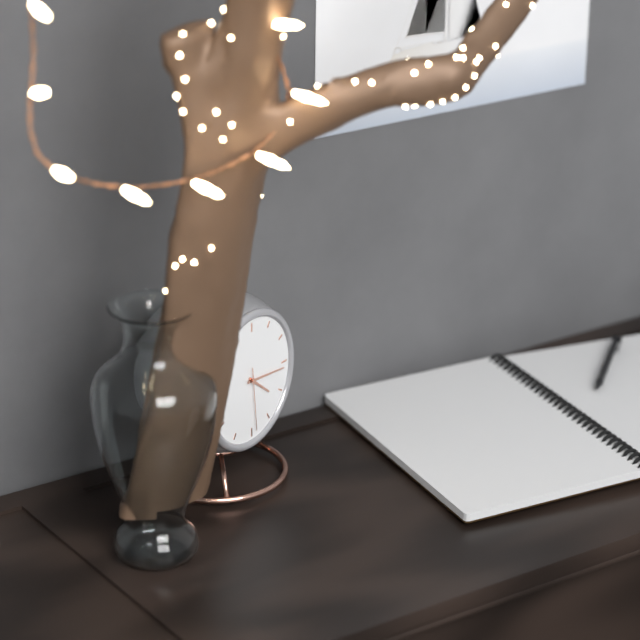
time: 4:16:29
